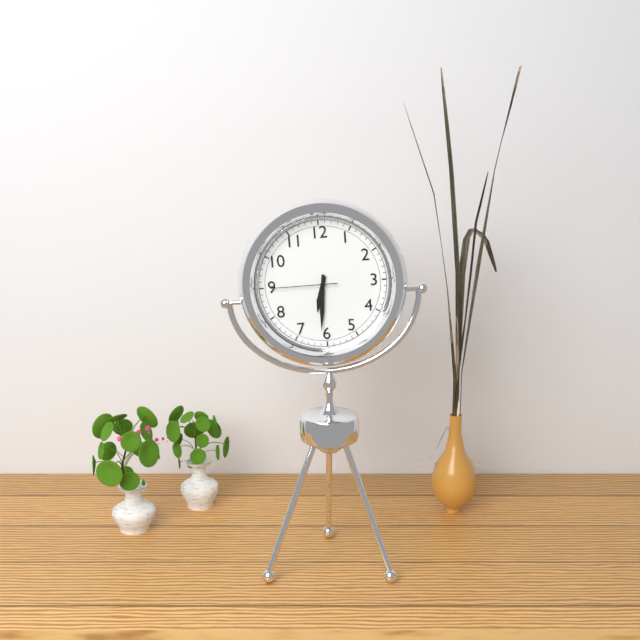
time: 6:31:45
